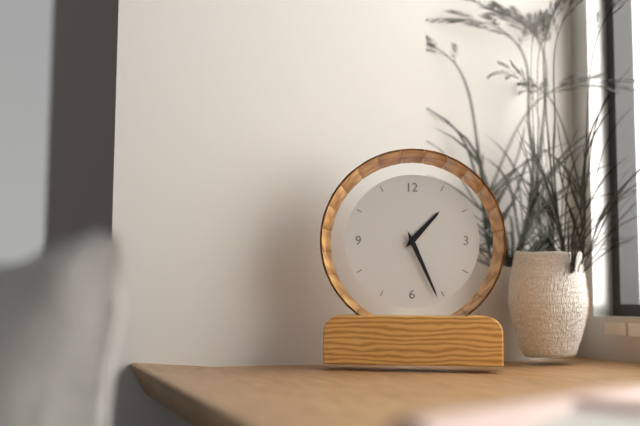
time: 1:26
